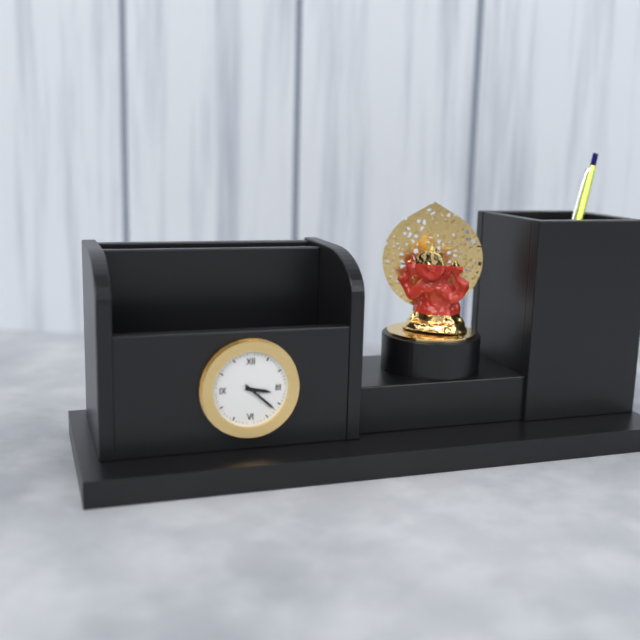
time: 3:22
